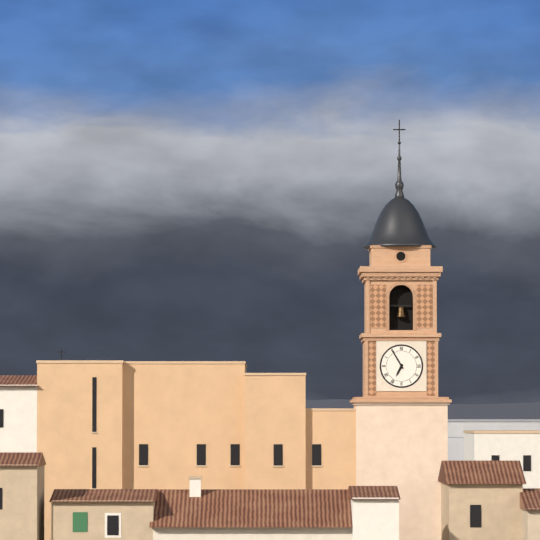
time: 6:55
